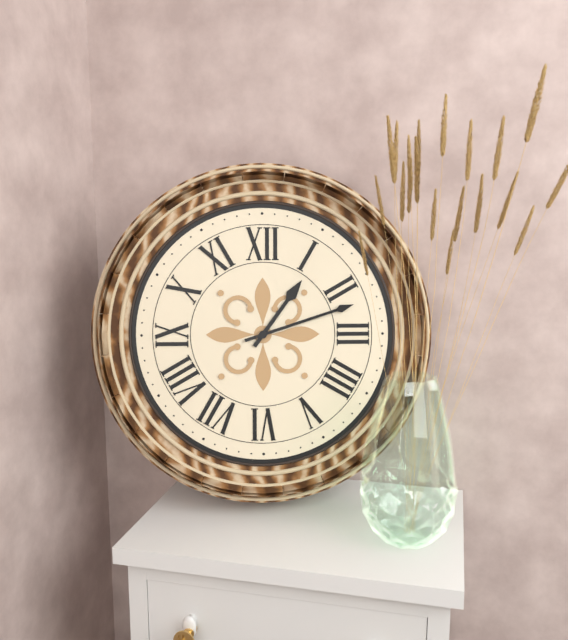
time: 1:12
